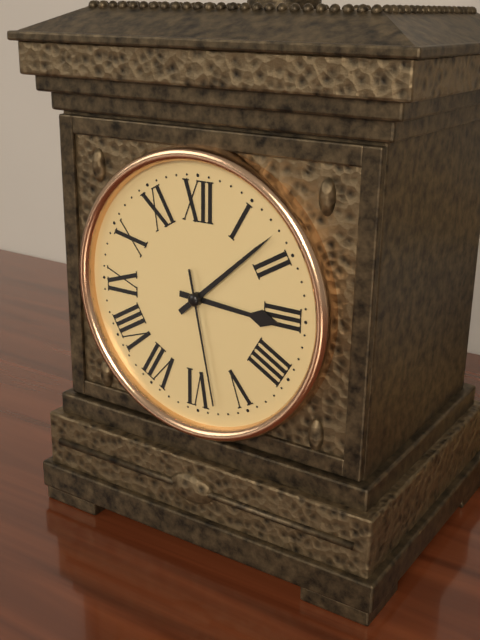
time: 3:08:28
